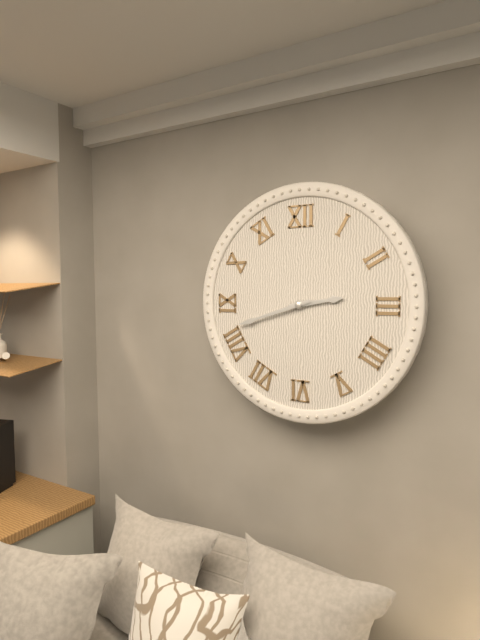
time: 2:42
